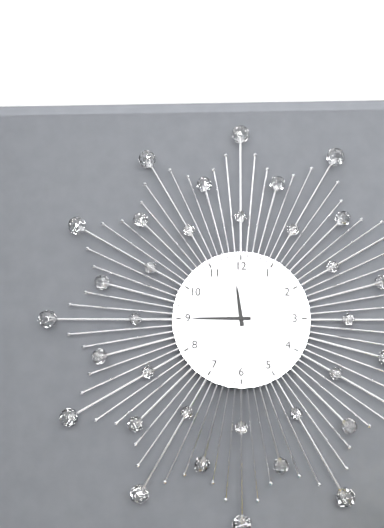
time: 11:45
